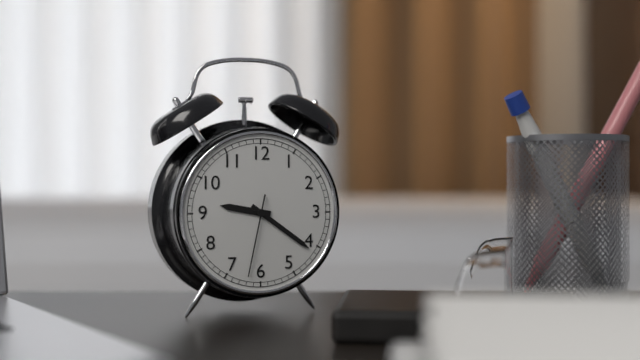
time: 9:21:32
